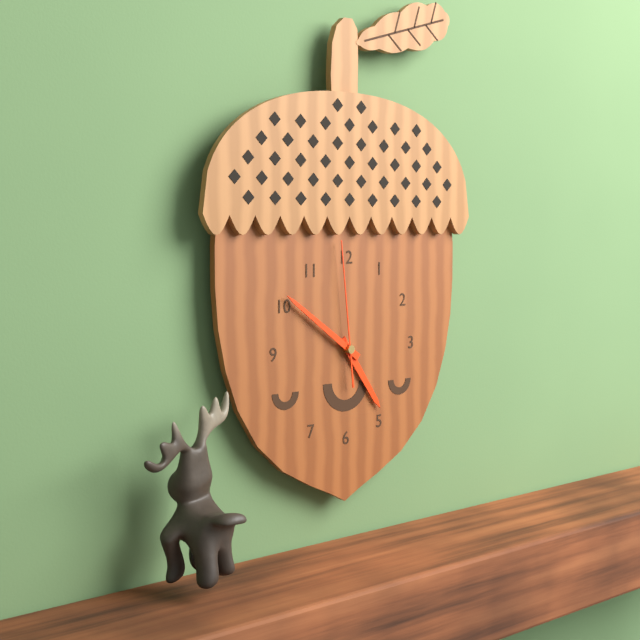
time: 4:51:59
